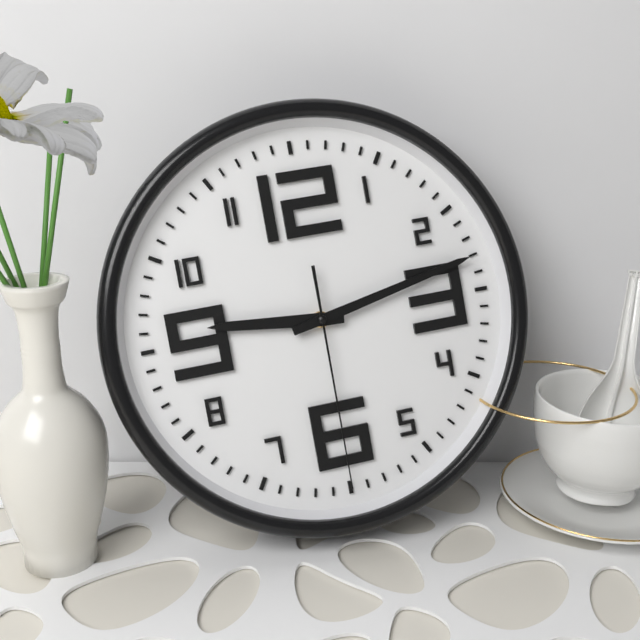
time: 9:13:30
